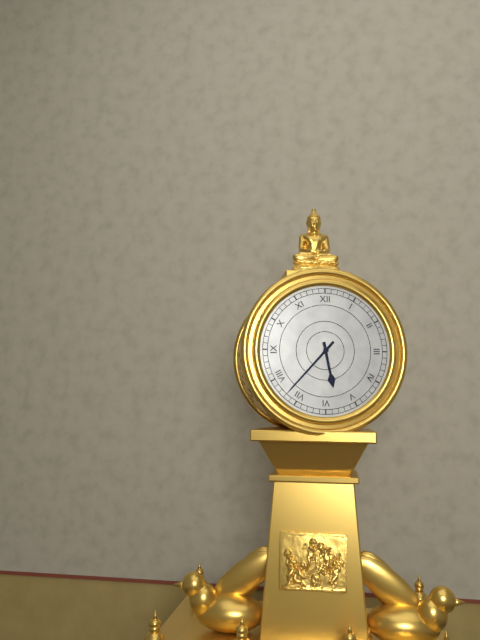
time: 5:37
